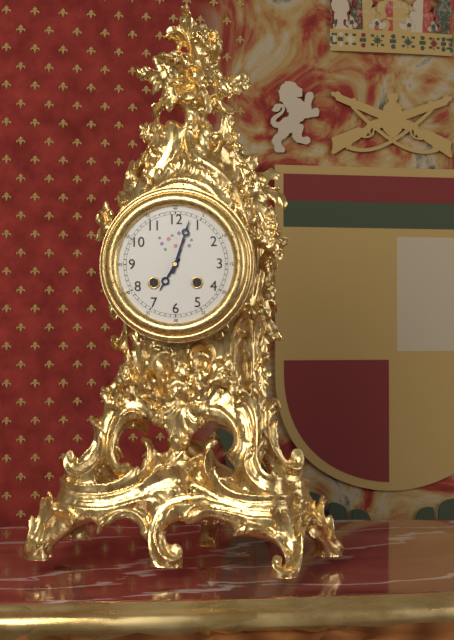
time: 7:03
